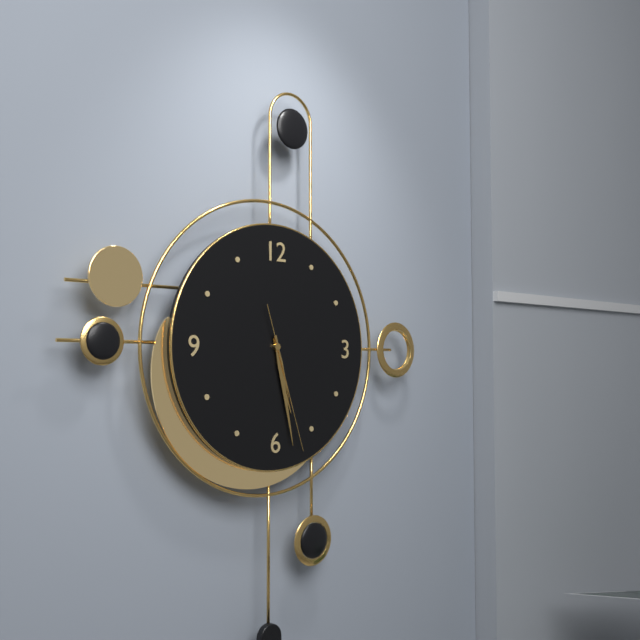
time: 5:28:27
